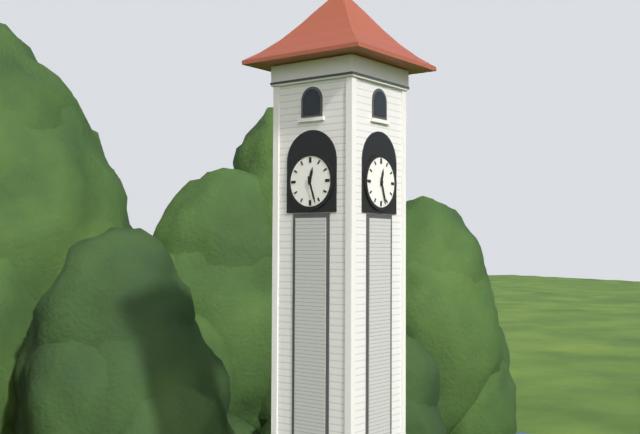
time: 12:27
